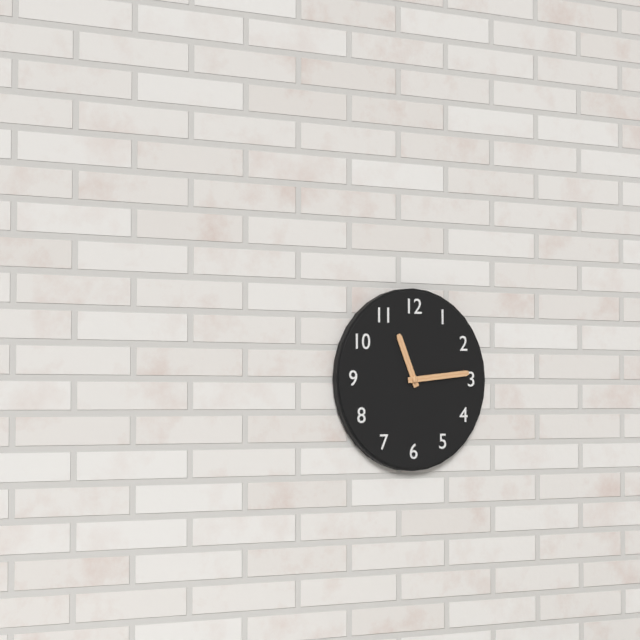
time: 11:14
